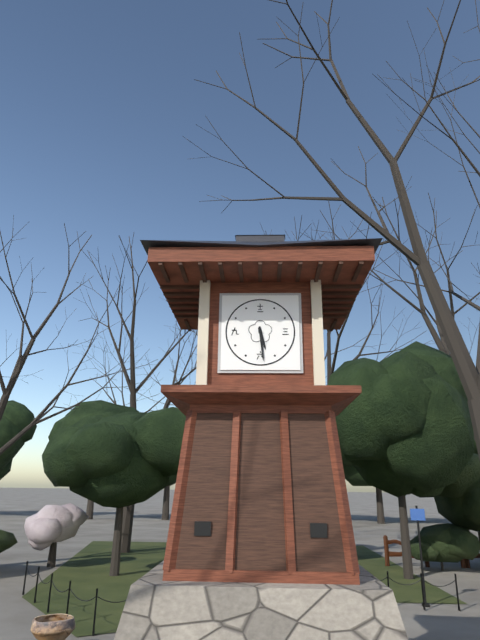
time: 5:29
